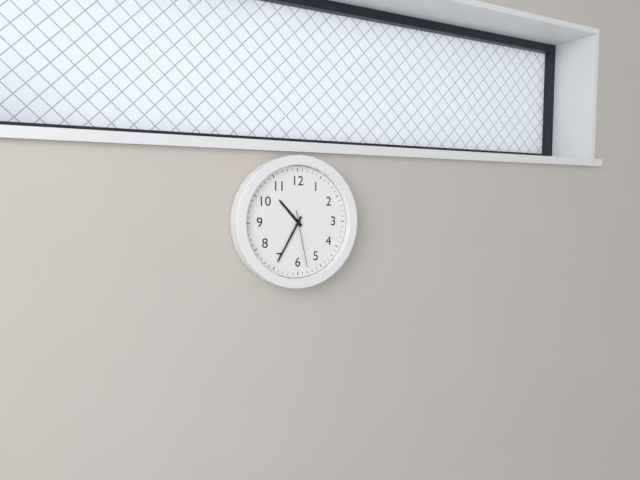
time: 10:35:28
